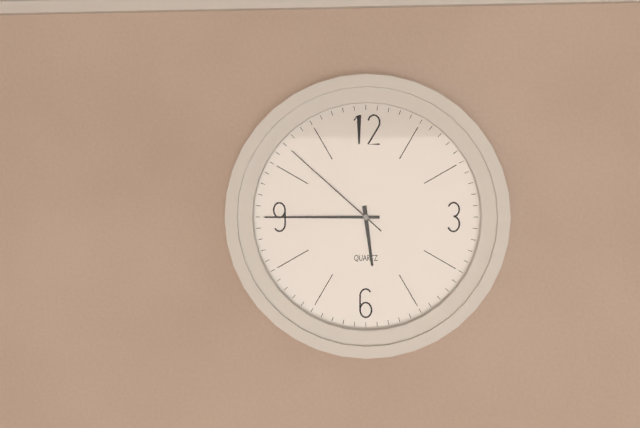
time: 5:45:52
